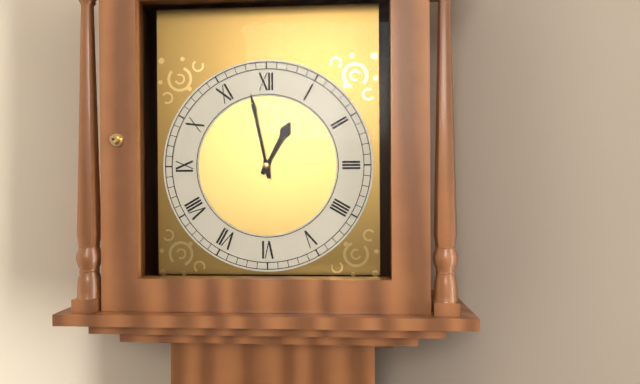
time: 12:58
